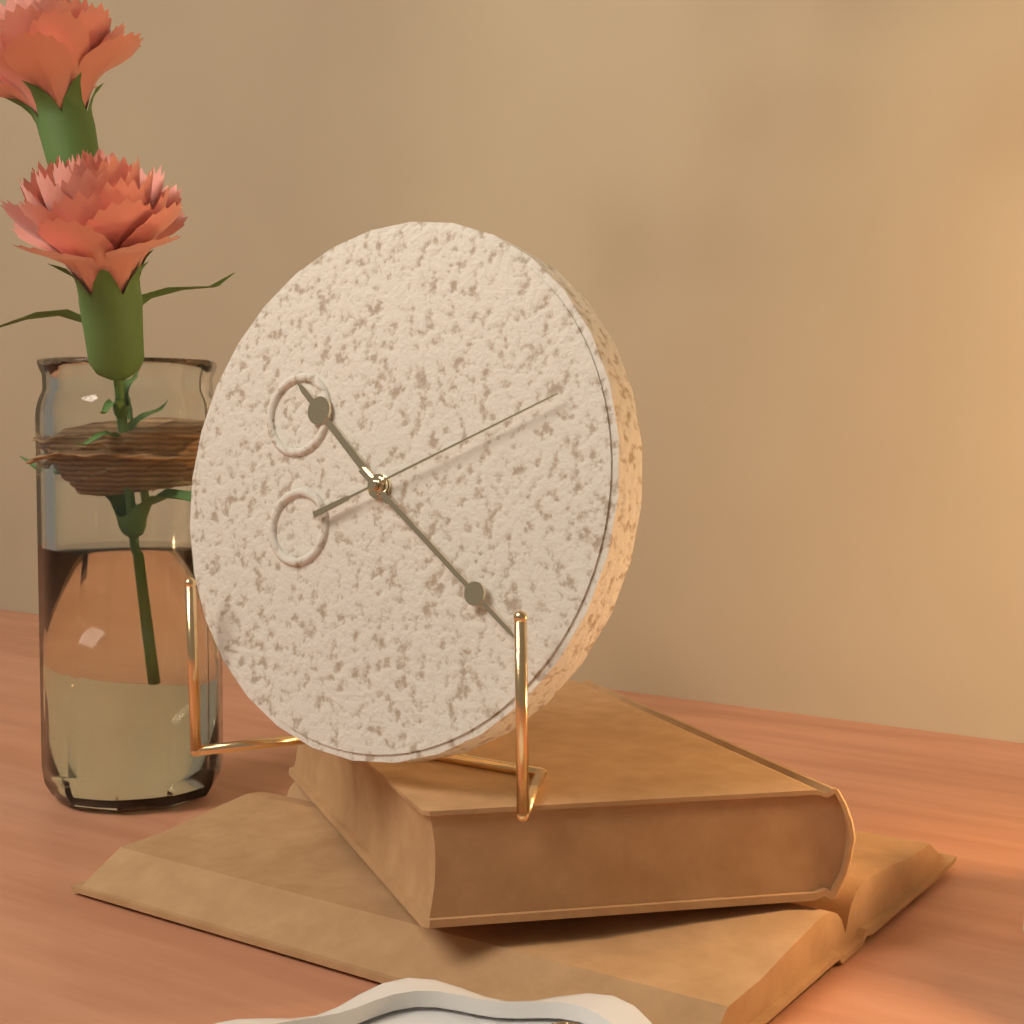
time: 10:21:11
